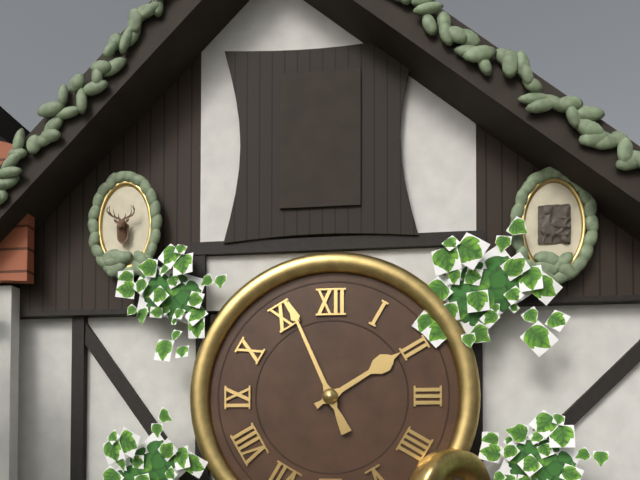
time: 1:56
